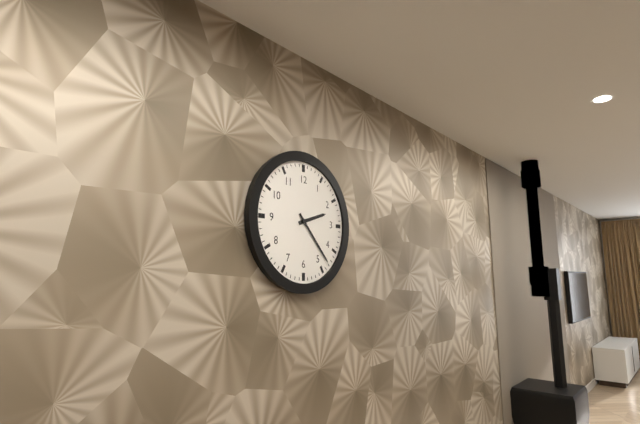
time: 2:23
